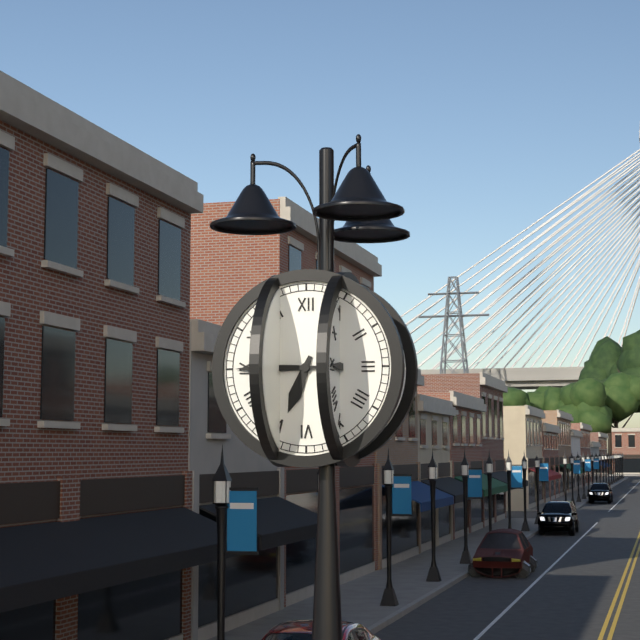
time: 6:45
